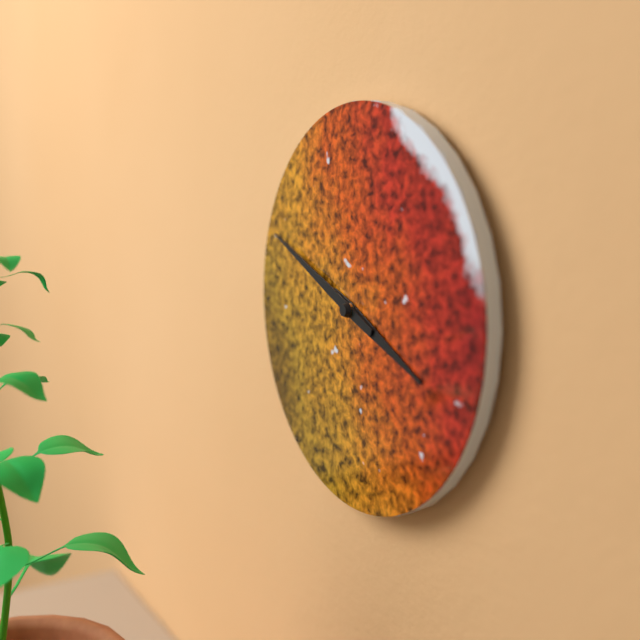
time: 3:49
